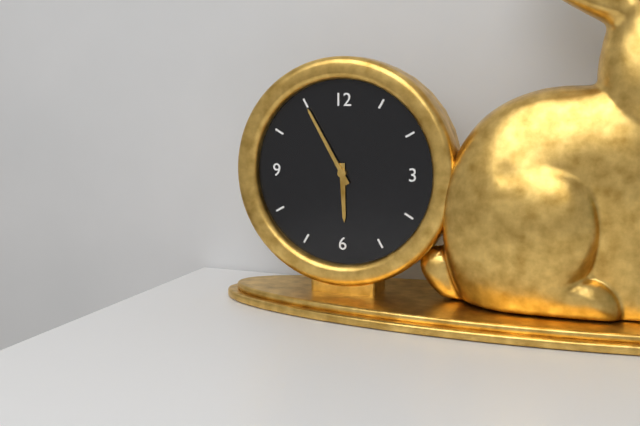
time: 5:55
